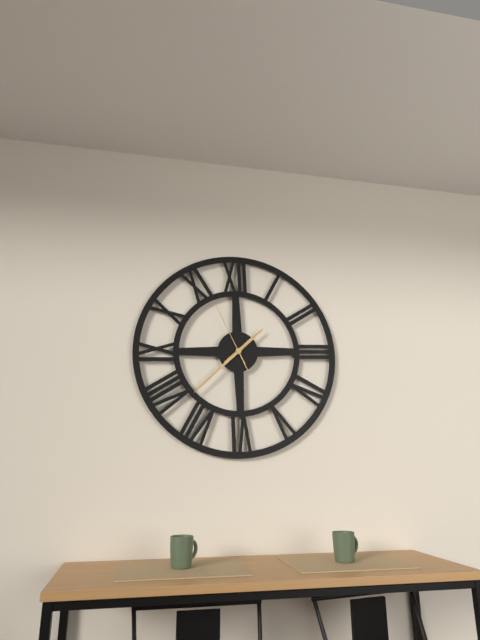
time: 1:38:56
